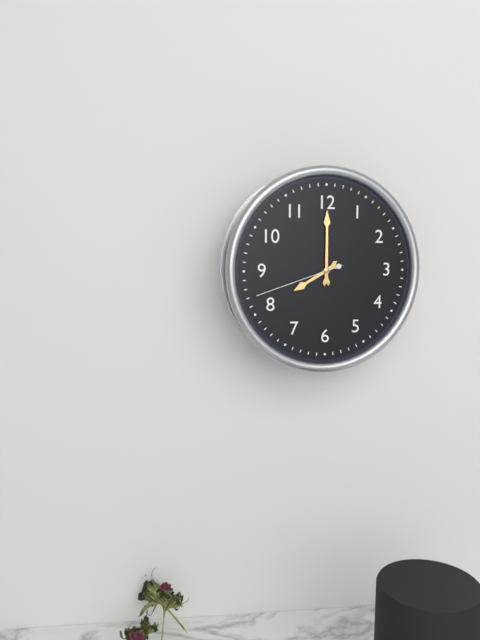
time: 8:00:42
